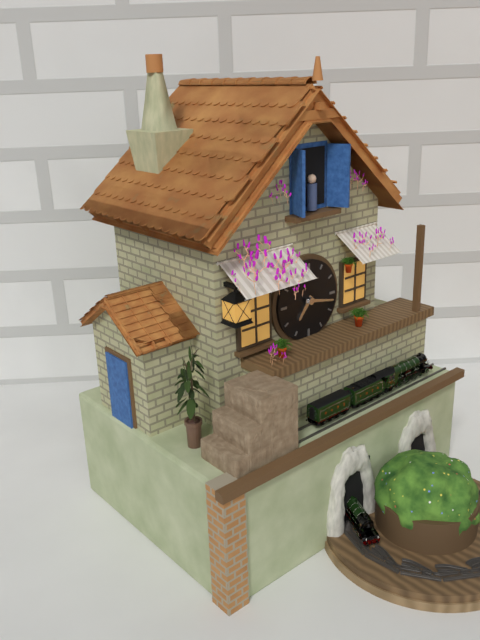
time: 7:17
